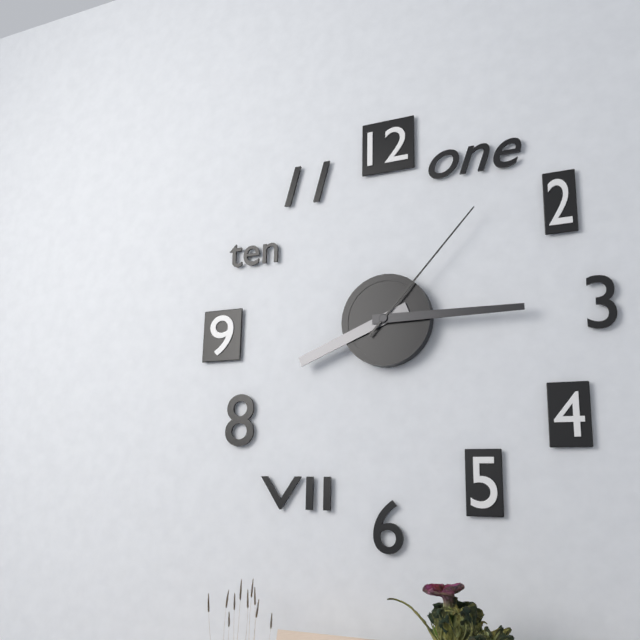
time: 8:15:07
